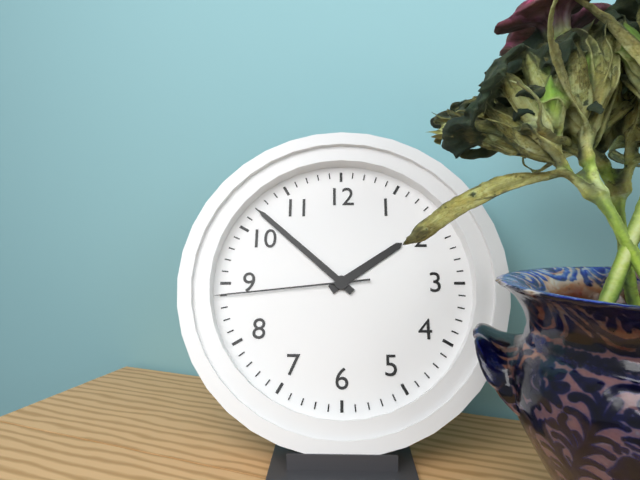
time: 1:52:44
